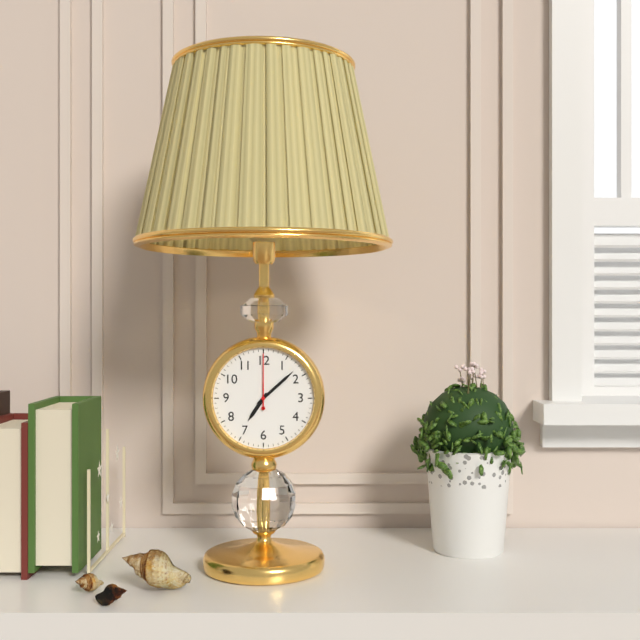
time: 7:08:00
